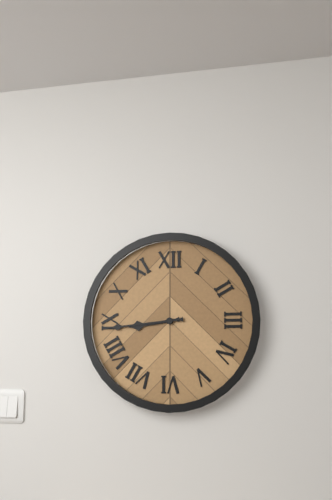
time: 8:44
